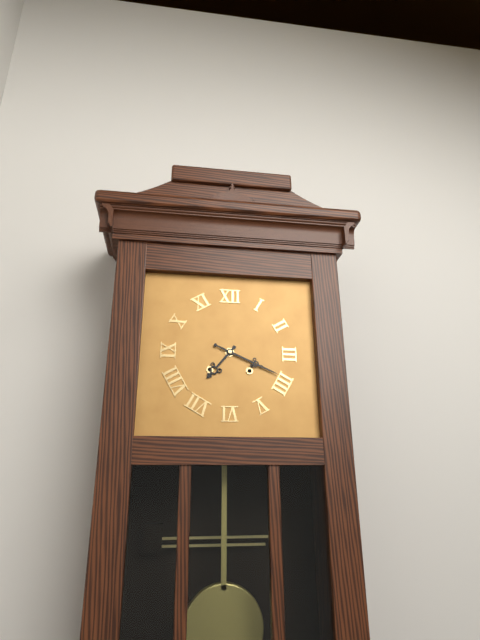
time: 7:19
